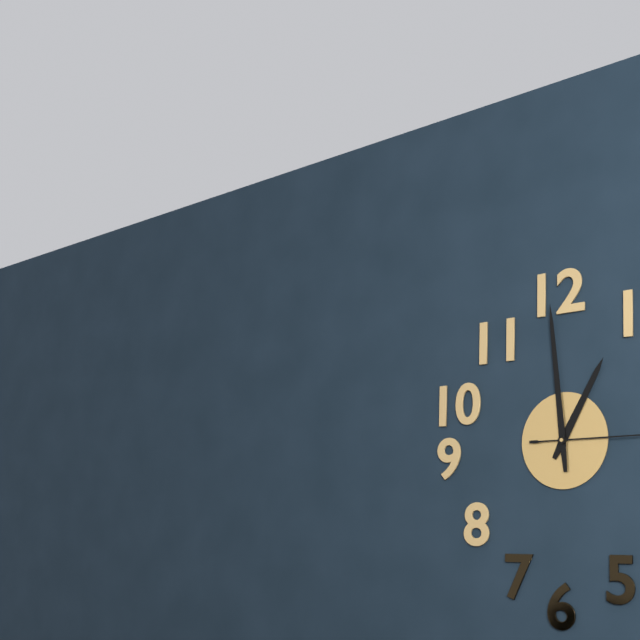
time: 12:59
